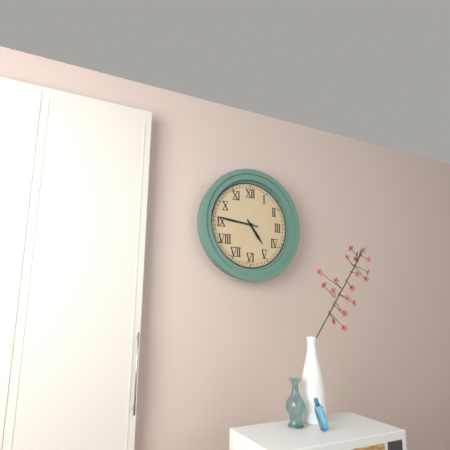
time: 4:46
